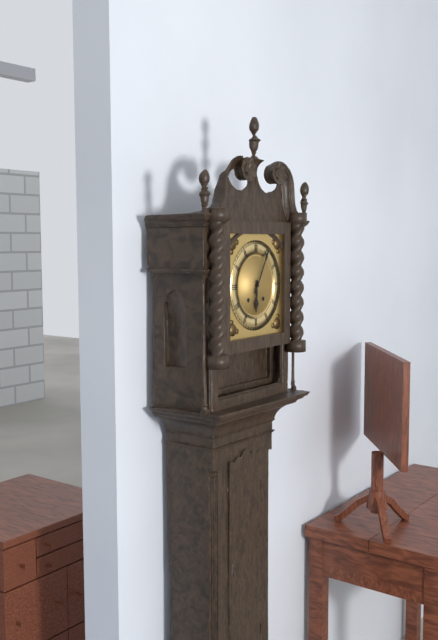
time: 6:05
